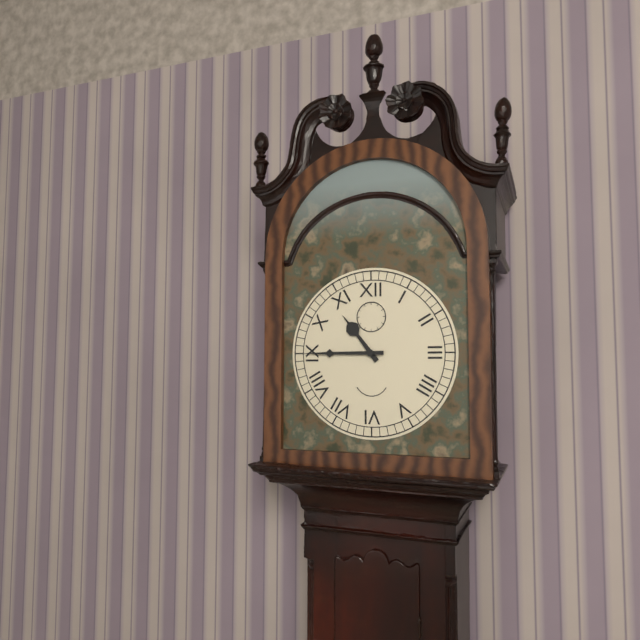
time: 10:45
